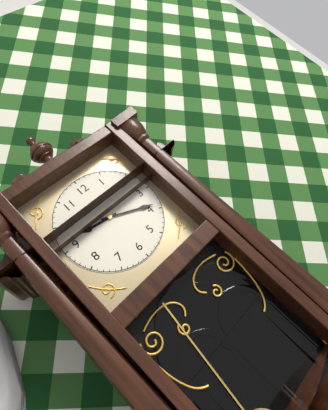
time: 9:19
